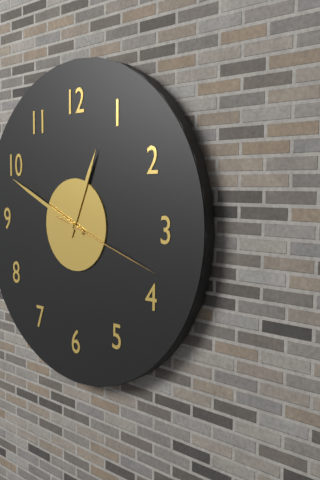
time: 12:49:18
